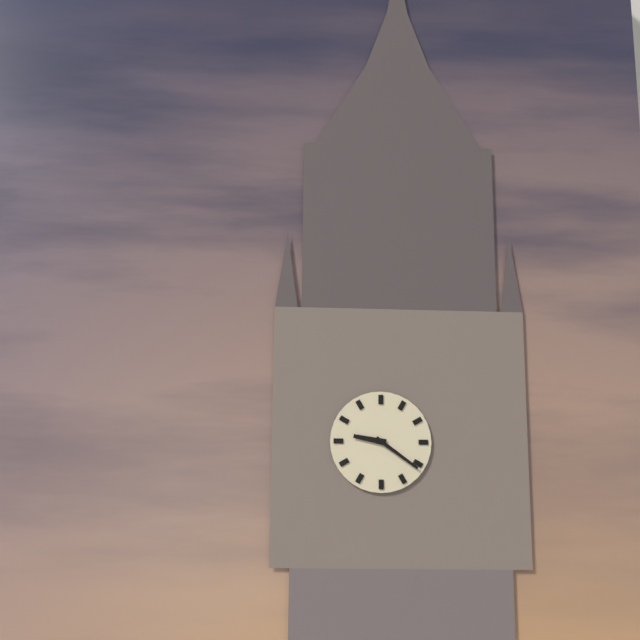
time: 9:21
